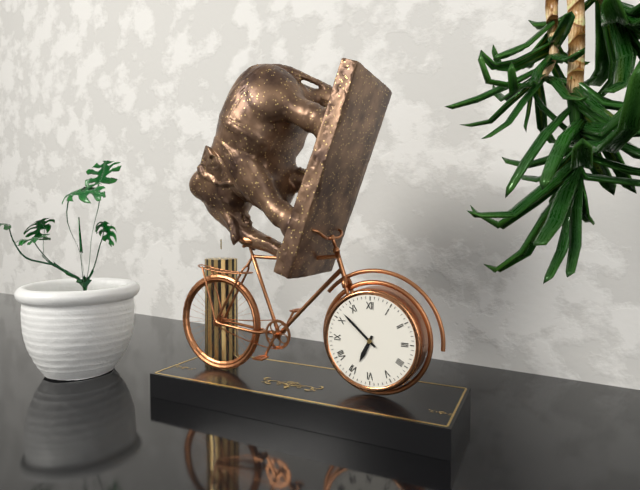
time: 6:52
